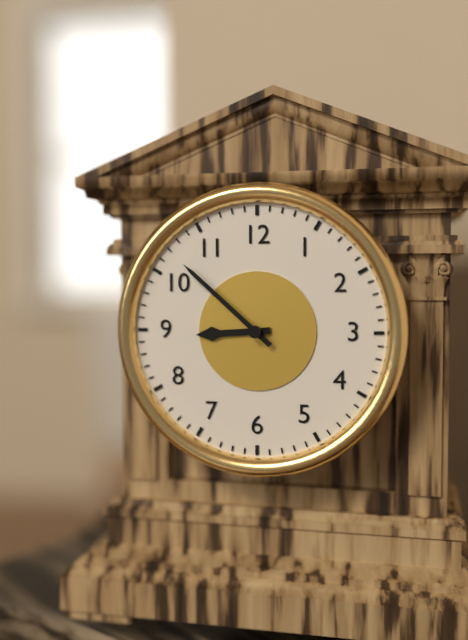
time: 8:52
